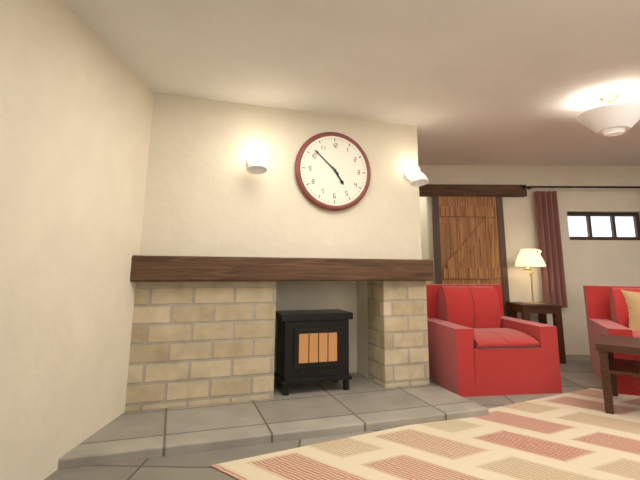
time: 4:52
